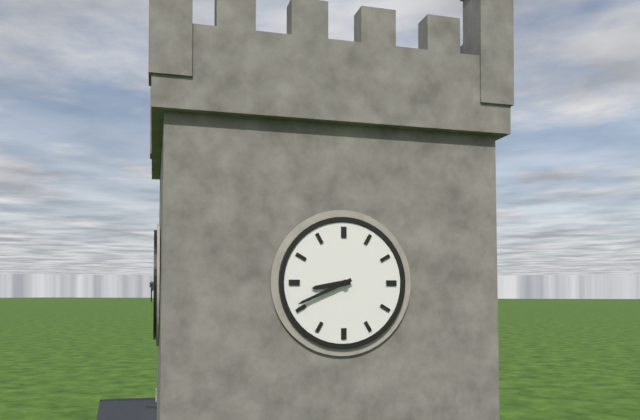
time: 8:41
